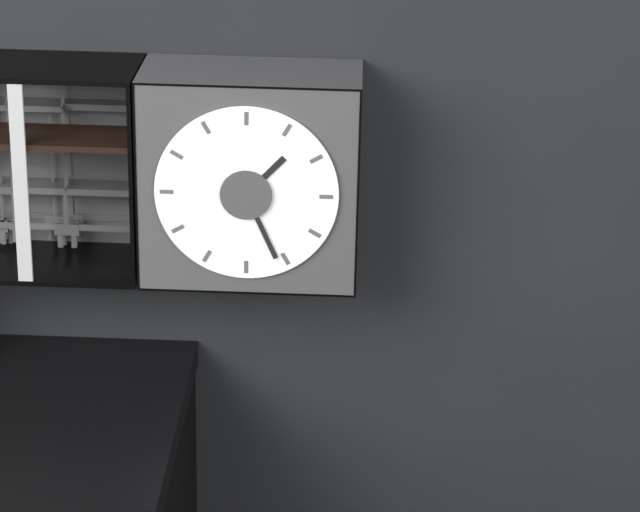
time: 1:26
